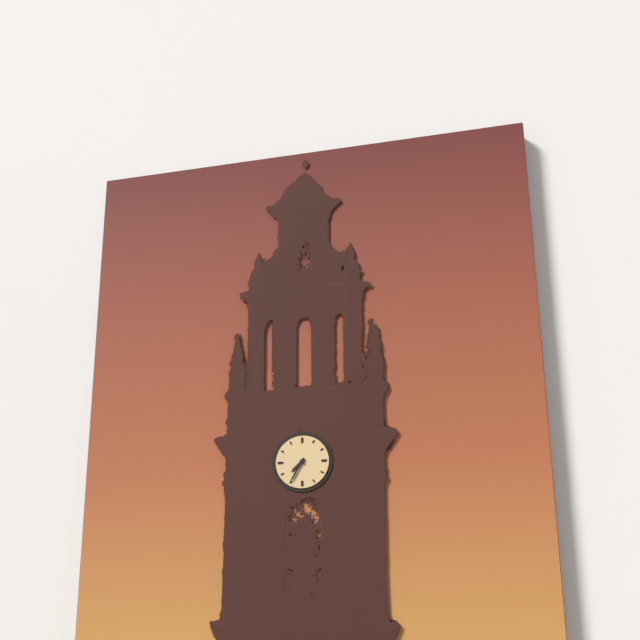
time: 7:35
